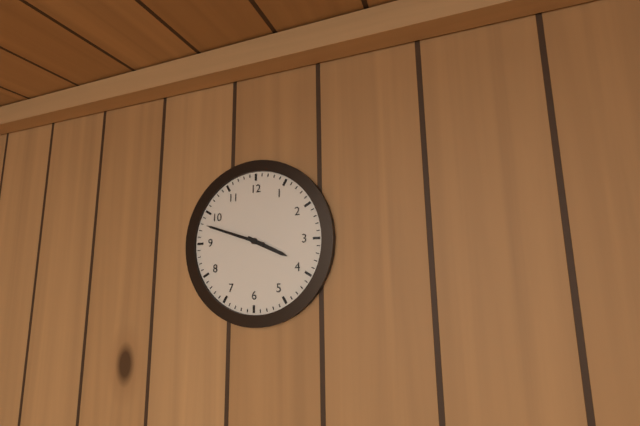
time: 3:48
